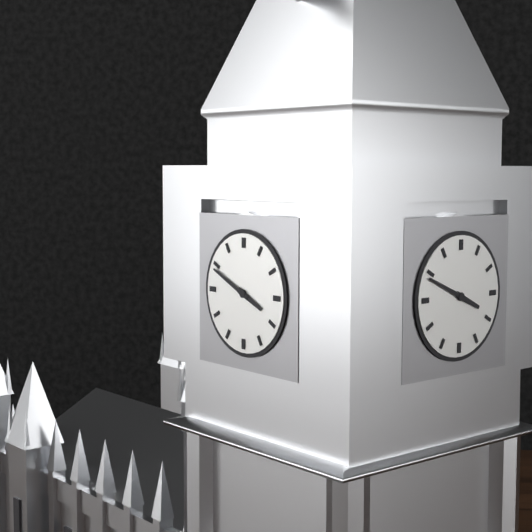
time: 3:49
